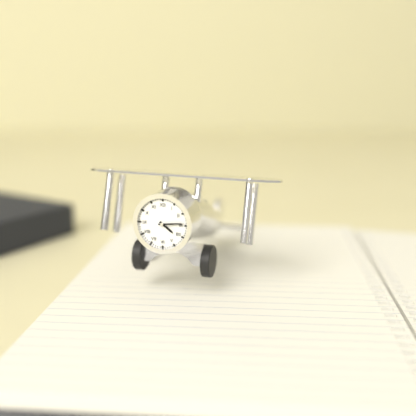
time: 4:14
